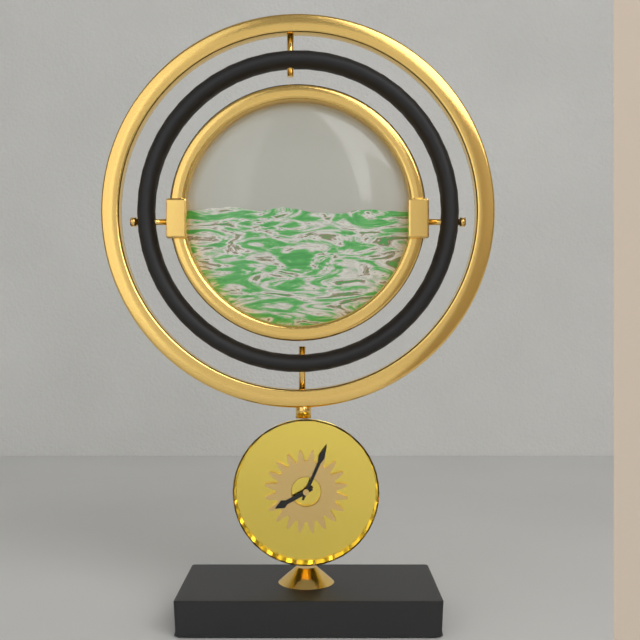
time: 8:04
